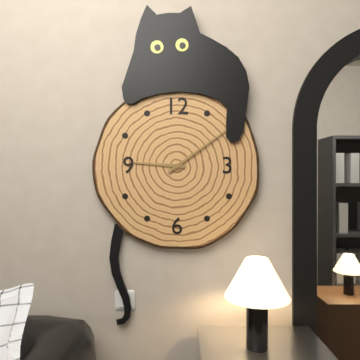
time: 9:09
